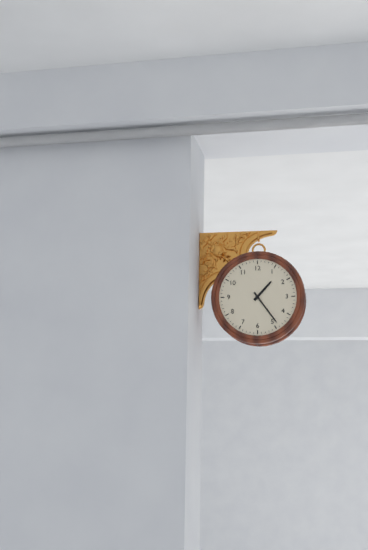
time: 1:24
